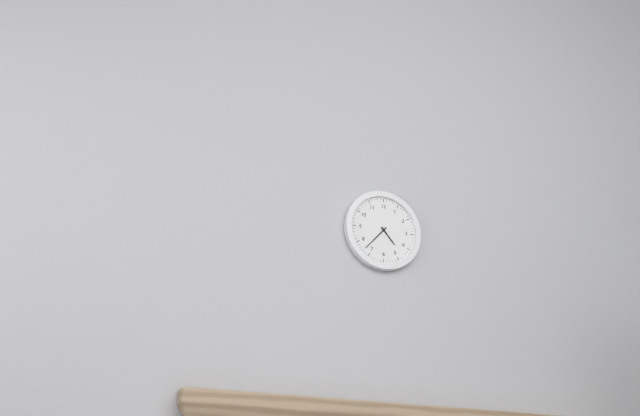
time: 4:37
